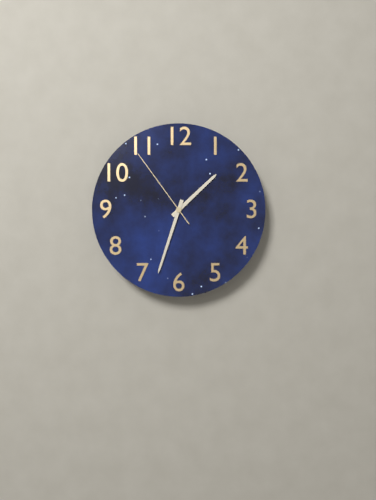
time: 1:33:54
